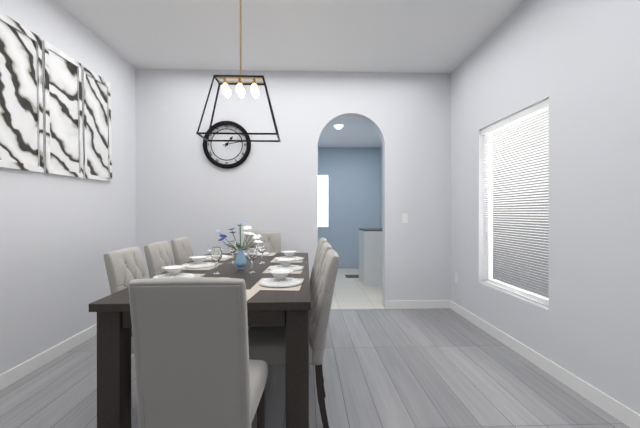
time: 1:13
